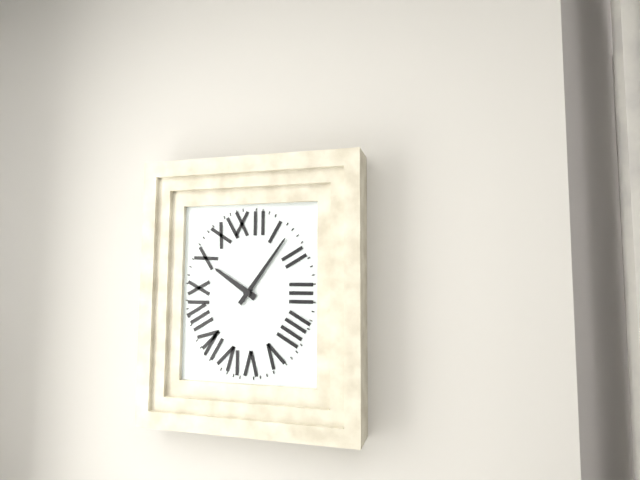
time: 10:06
